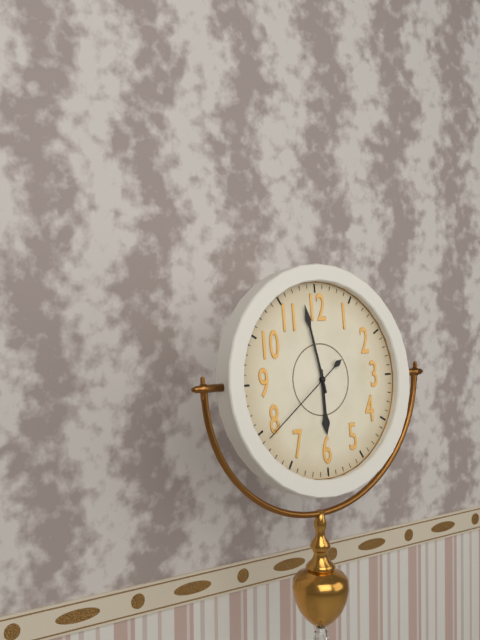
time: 5:58:39
